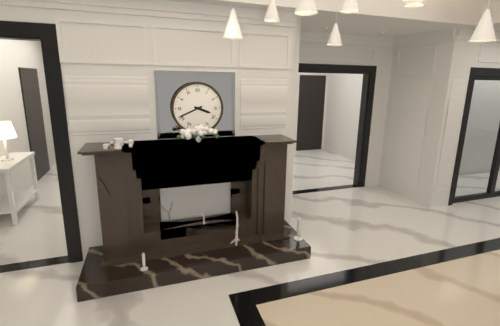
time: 3:41
